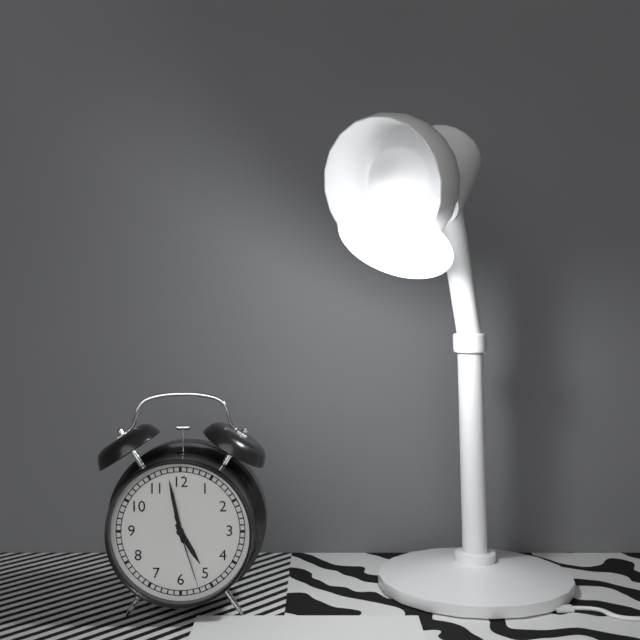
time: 4:58:27
